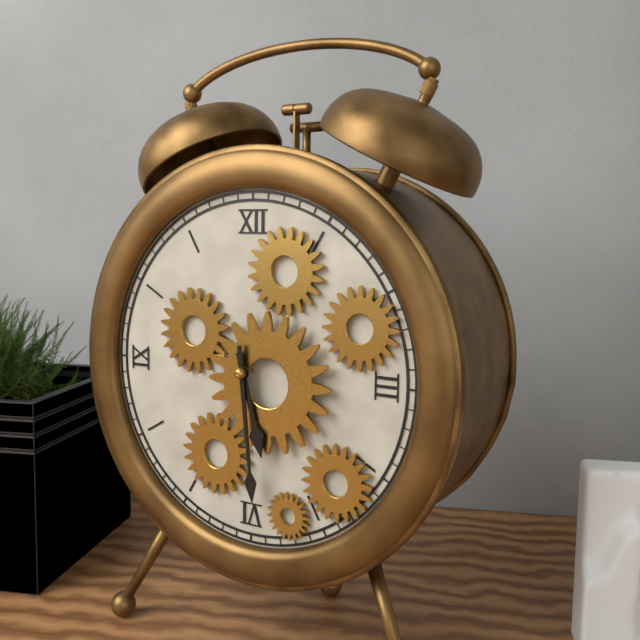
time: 5:29
